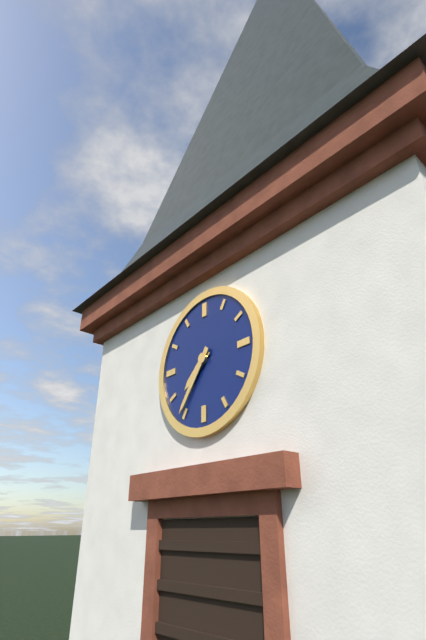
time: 7:36
